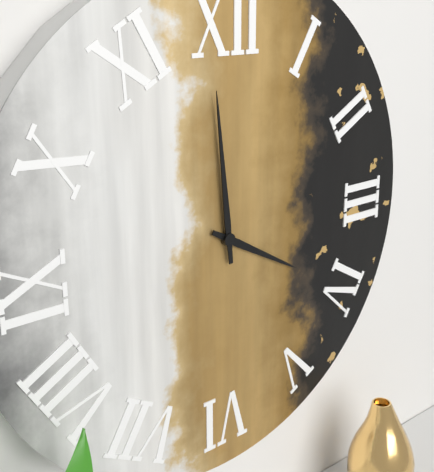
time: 3:59
